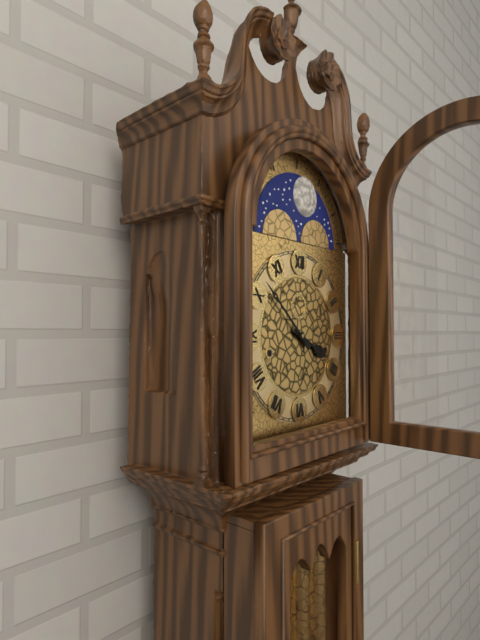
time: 3:52
